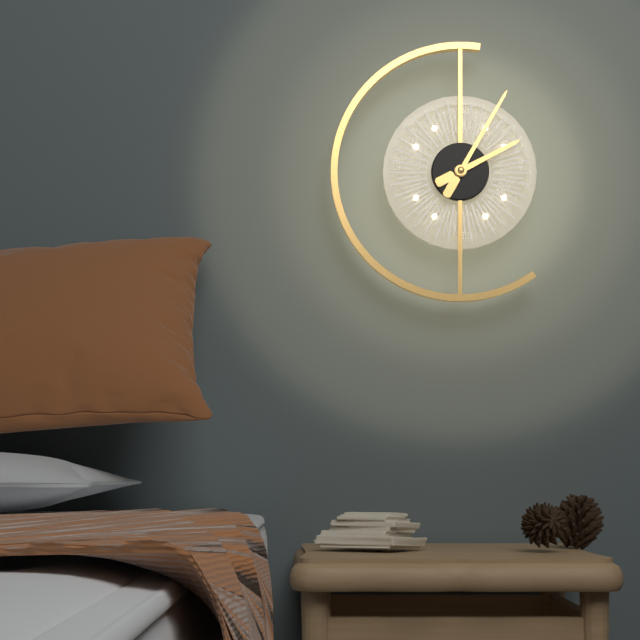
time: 2:05
